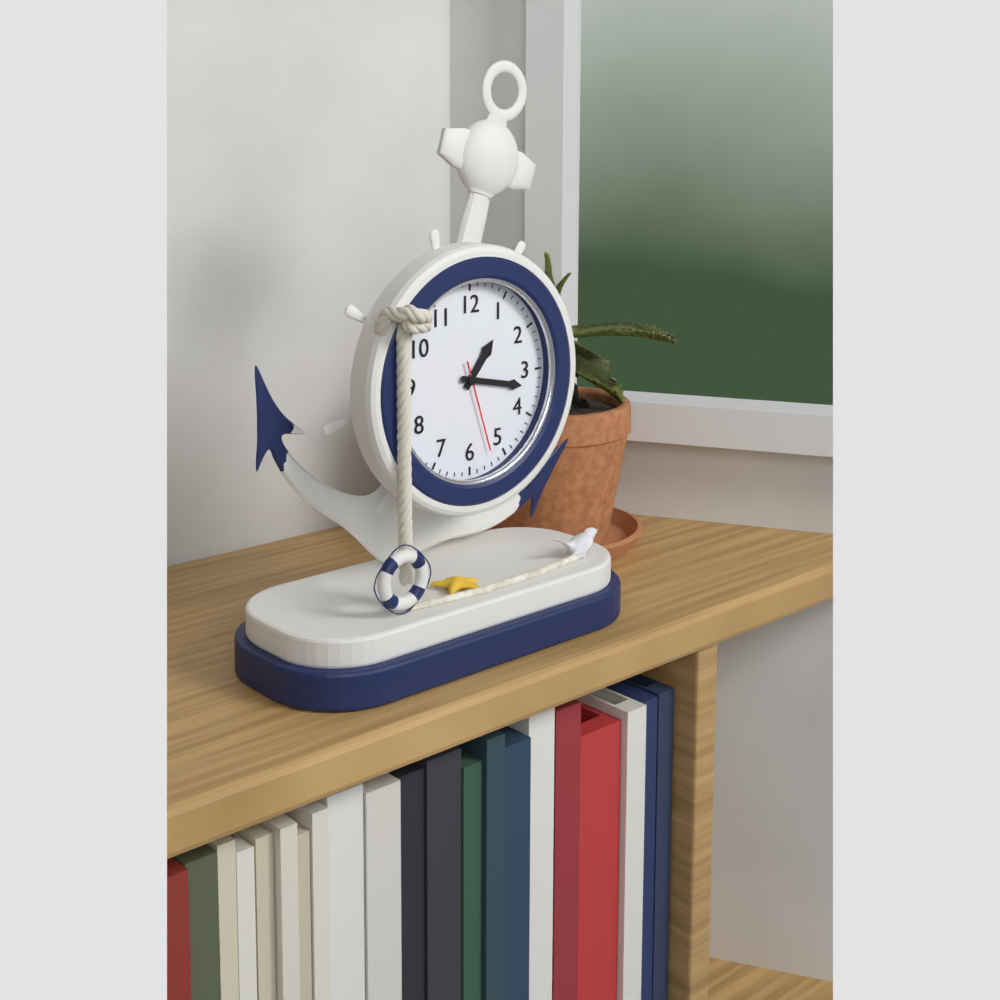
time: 1:17:27
